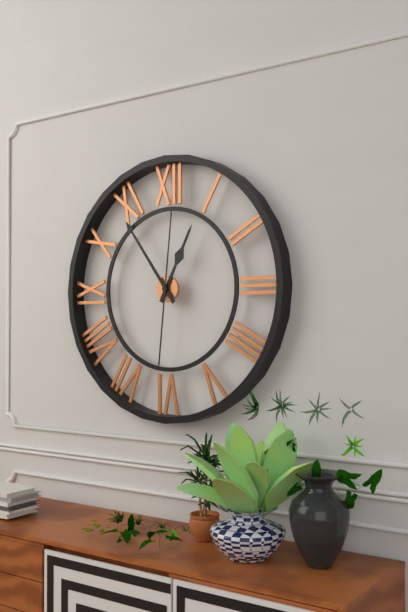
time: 12:54:01
